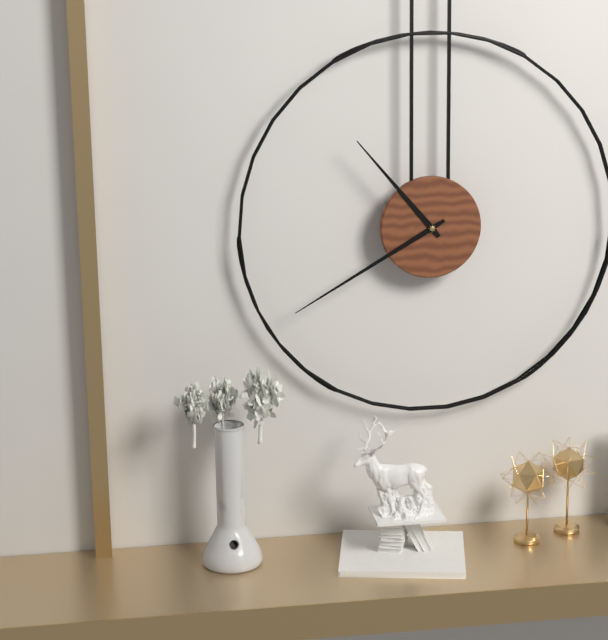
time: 10:40
